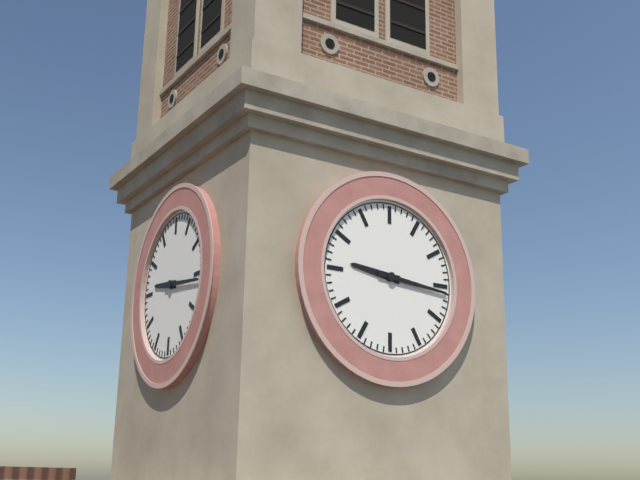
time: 9:16
